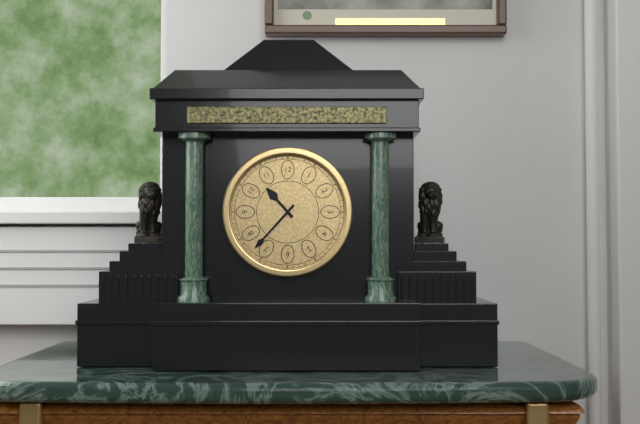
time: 10:37
